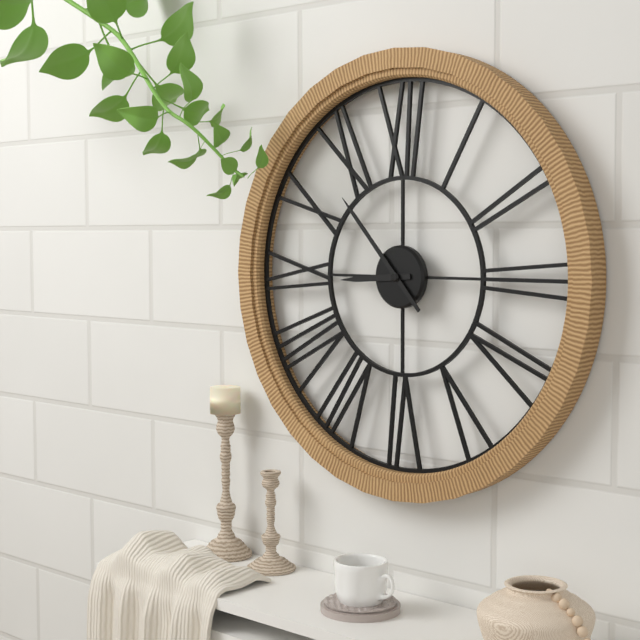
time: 8:53
